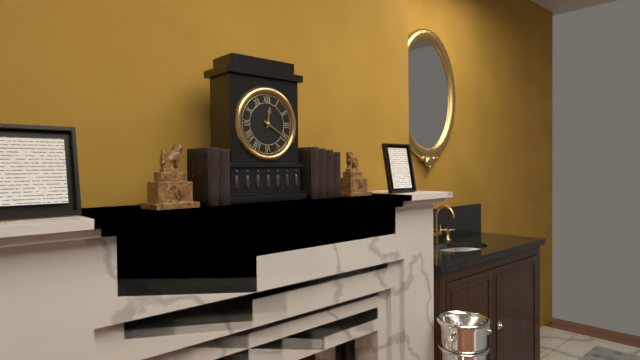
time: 12:20
